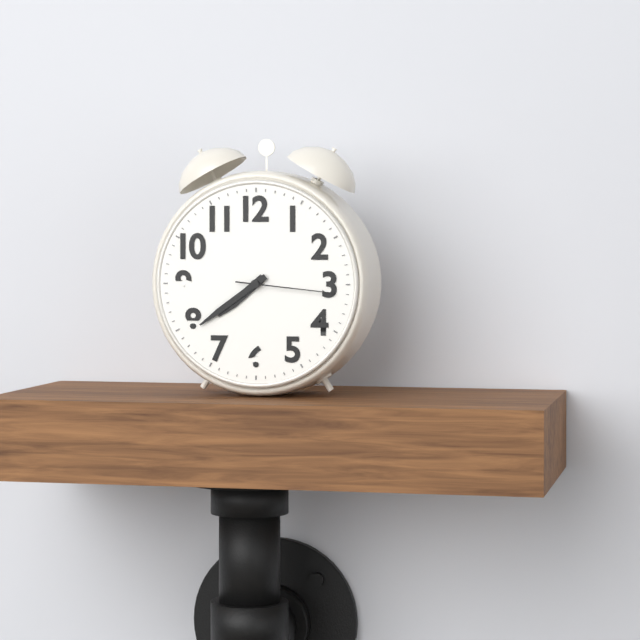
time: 7:39:16
